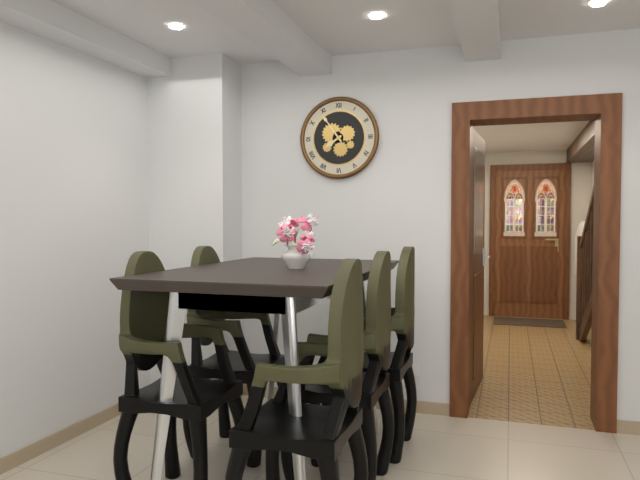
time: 7:54
